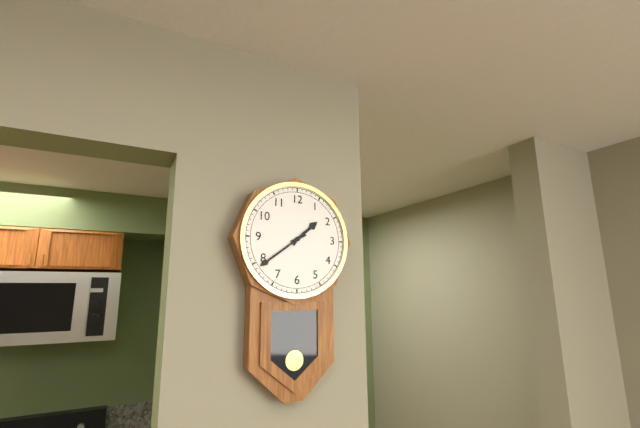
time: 1:39
